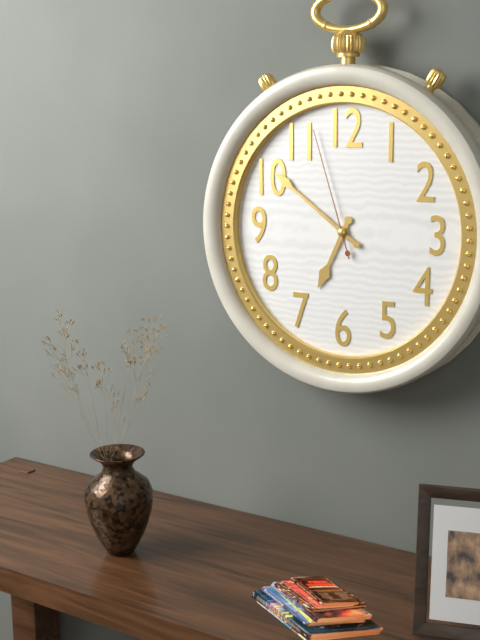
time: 6:51:57
